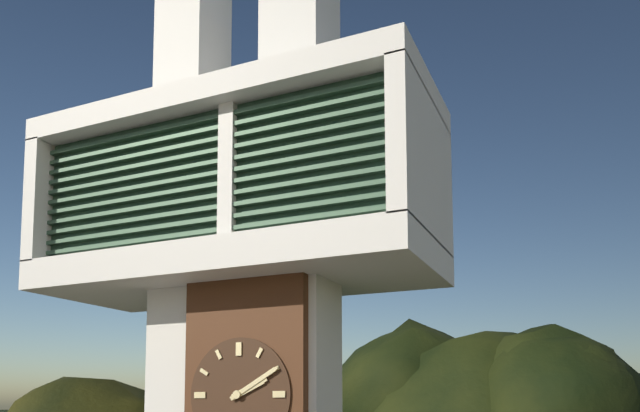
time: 2:10
